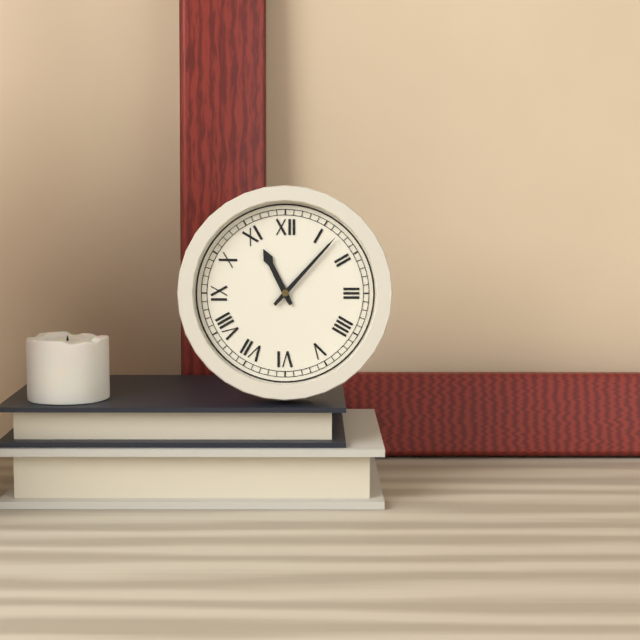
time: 11:07
